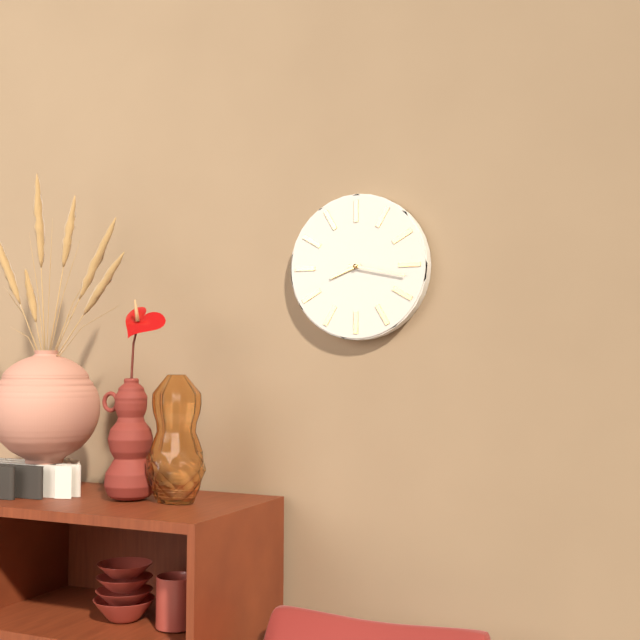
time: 8:17
